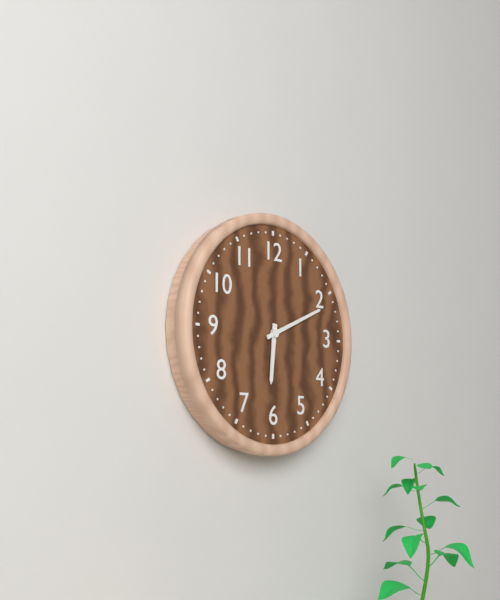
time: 6:11
